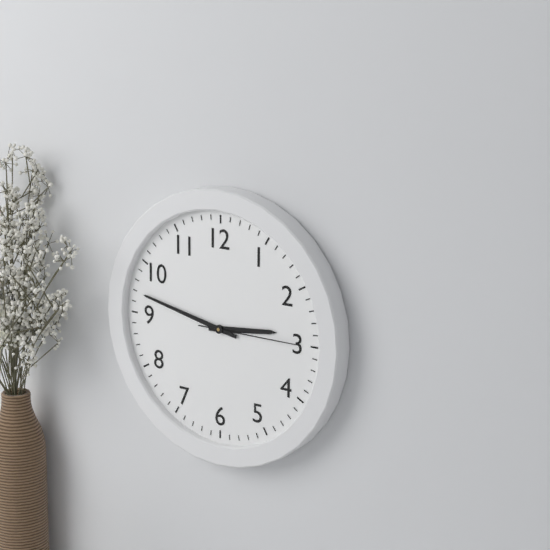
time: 2:47:15
